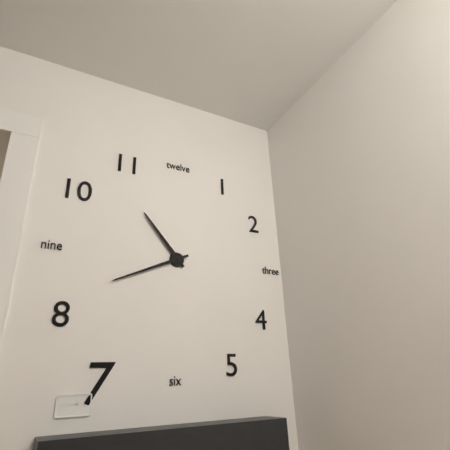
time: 10:41
